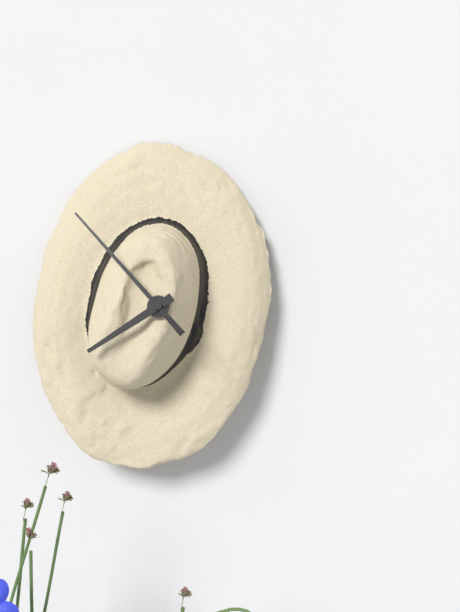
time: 7:53
